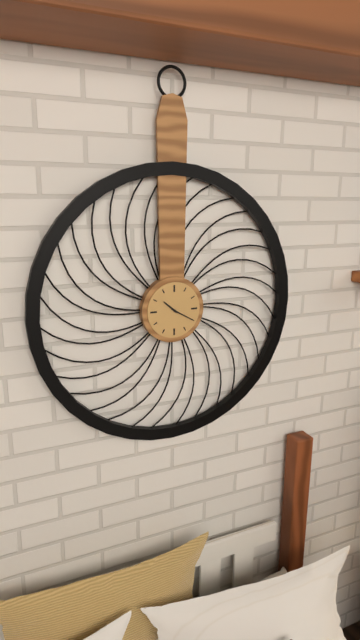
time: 10:20
